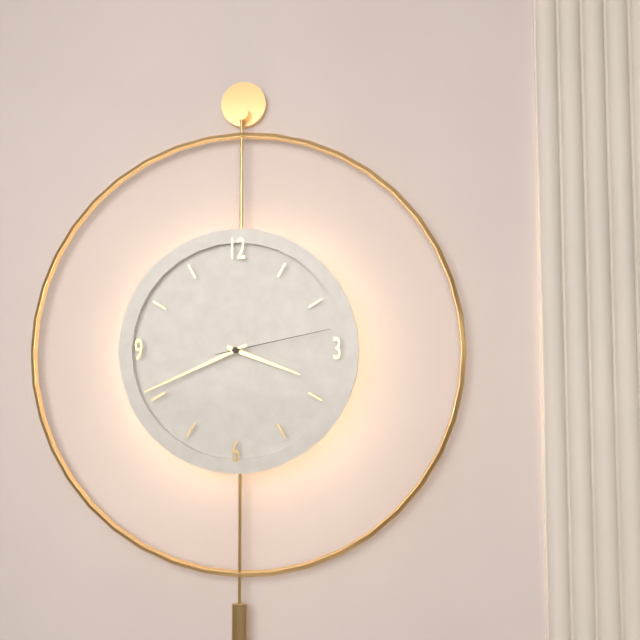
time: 3:41:13
